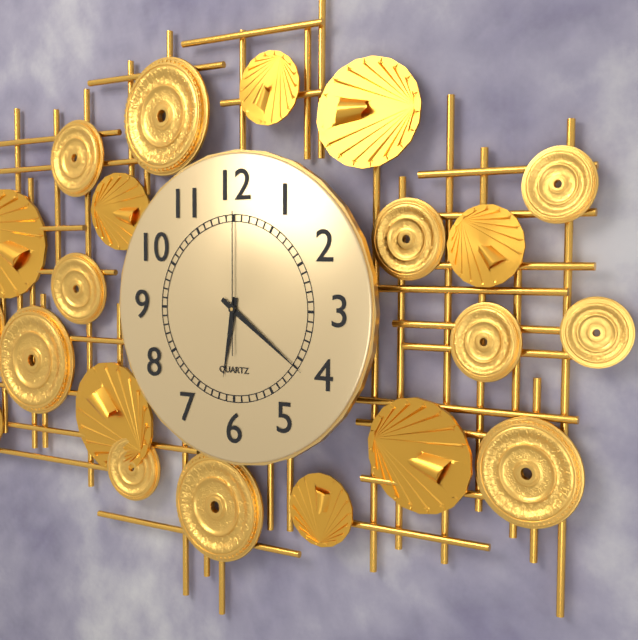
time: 6:21:00
